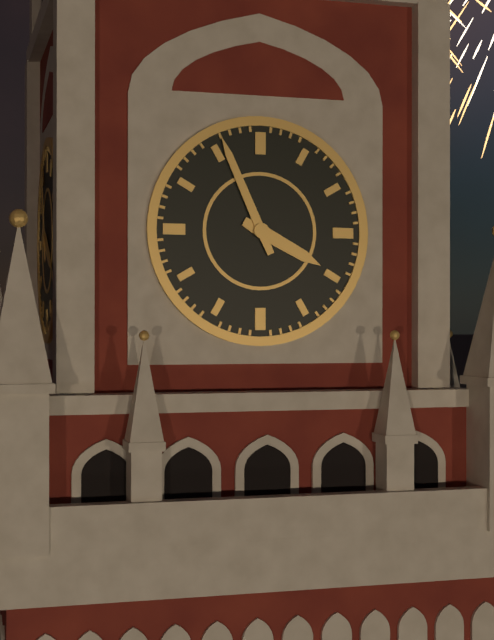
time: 3:56
